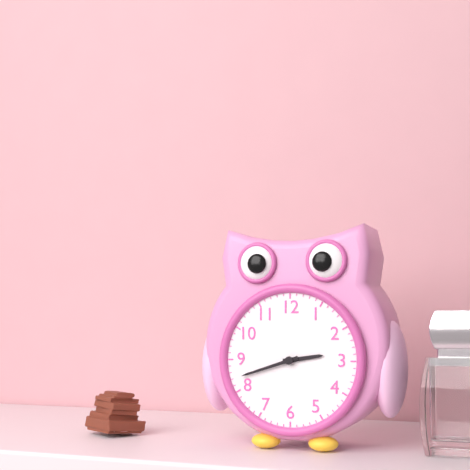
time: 2:42
